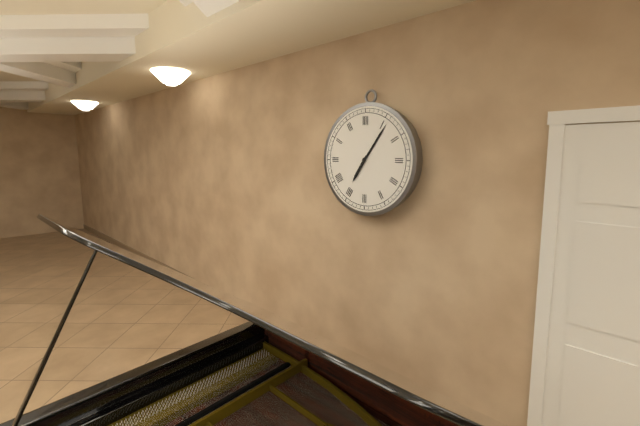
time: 7:06
